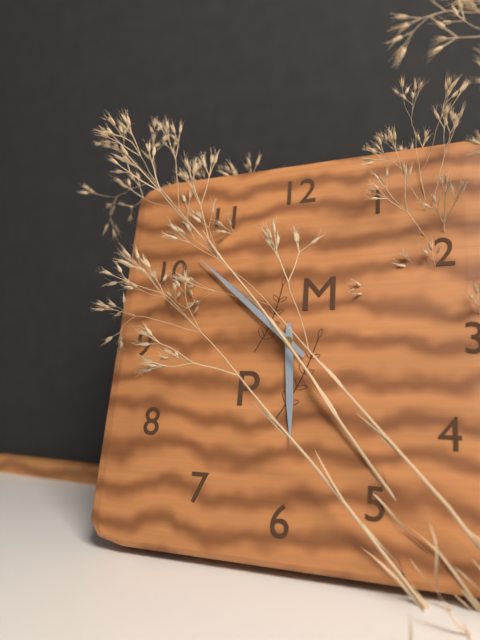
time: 5:52
